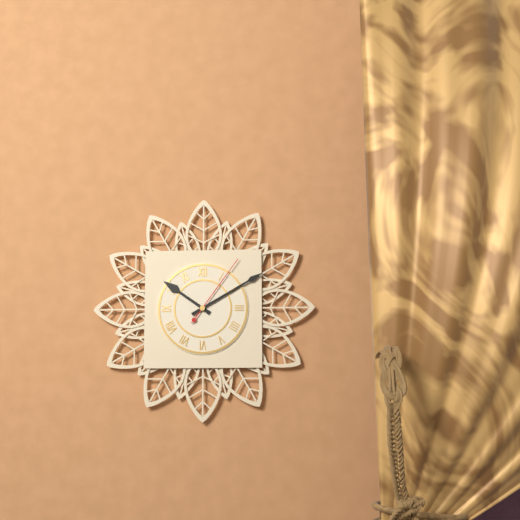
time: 10:10:06
